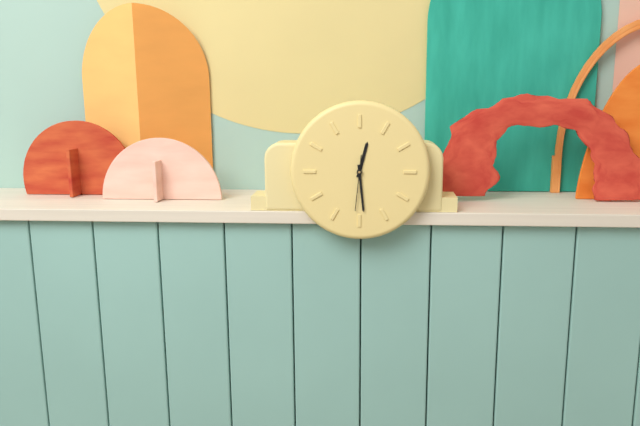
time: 12:29
